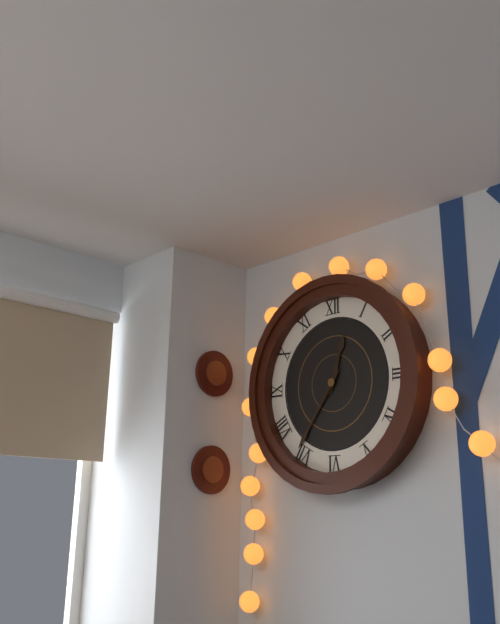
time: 12:36
